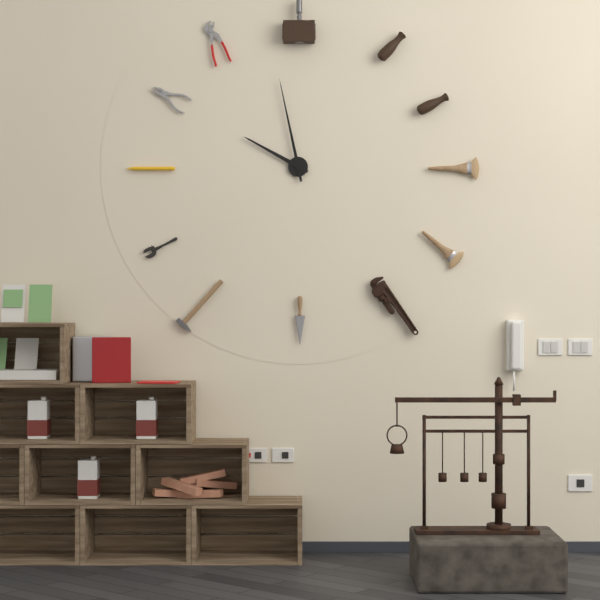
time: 9:58
